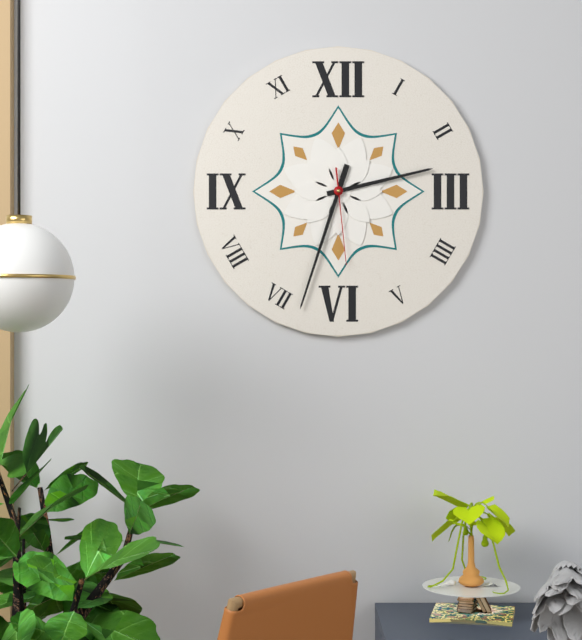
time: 2:33:29
